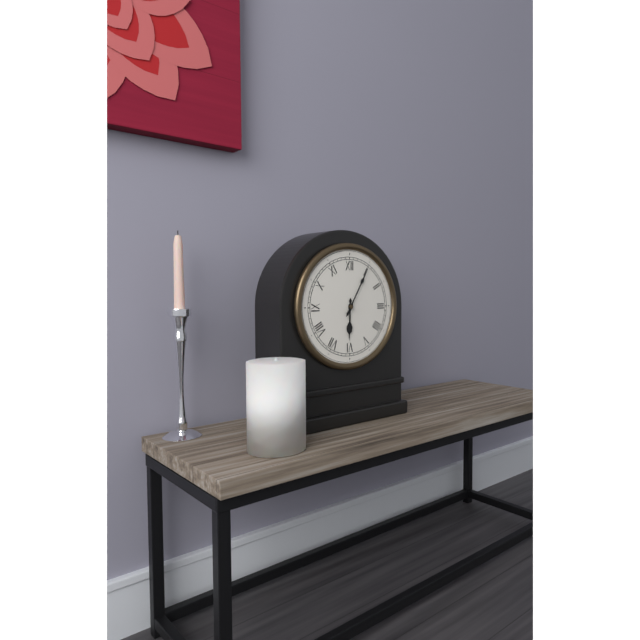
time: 6:05
